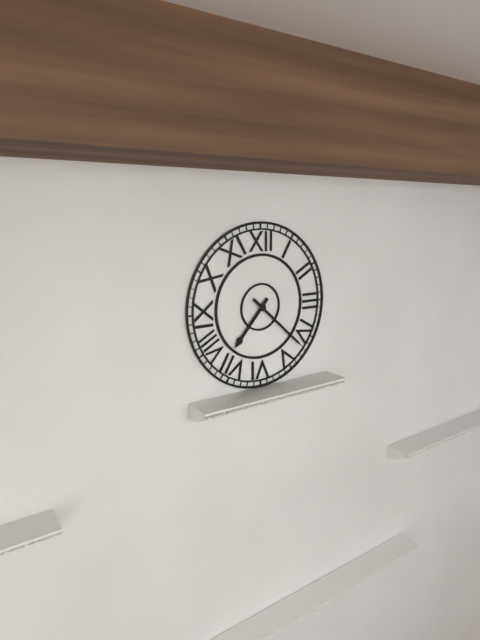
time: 7:22
